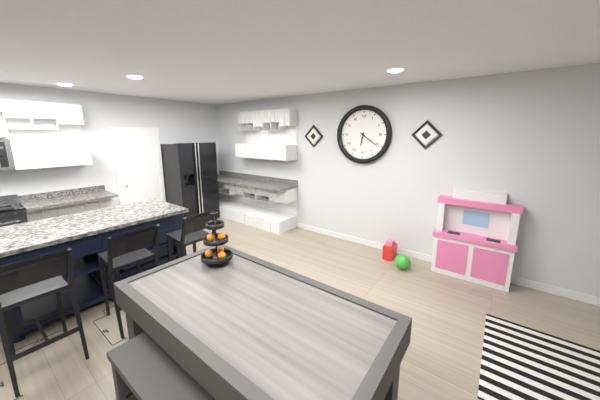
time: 6:21
